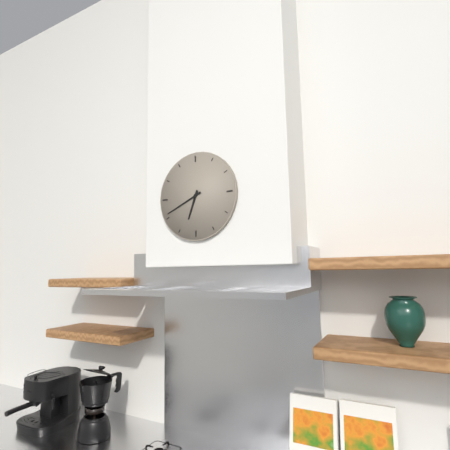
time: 6:41
